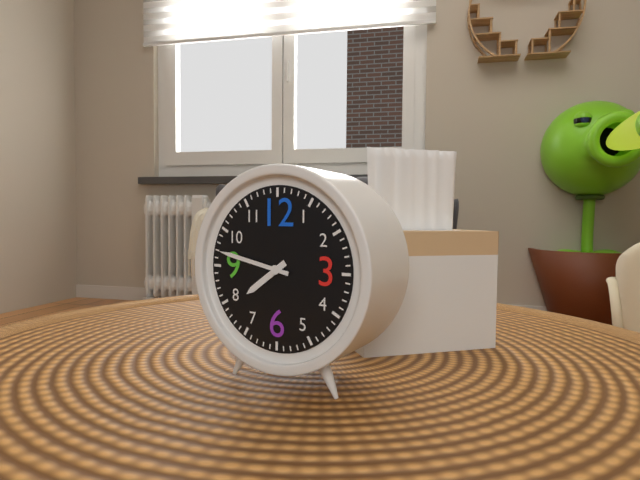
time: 7:47
